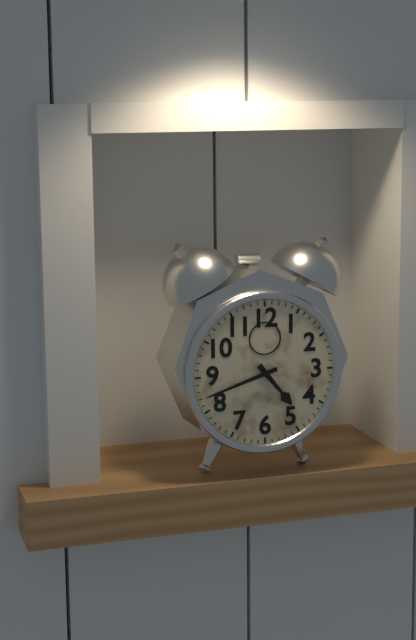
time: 4:42
